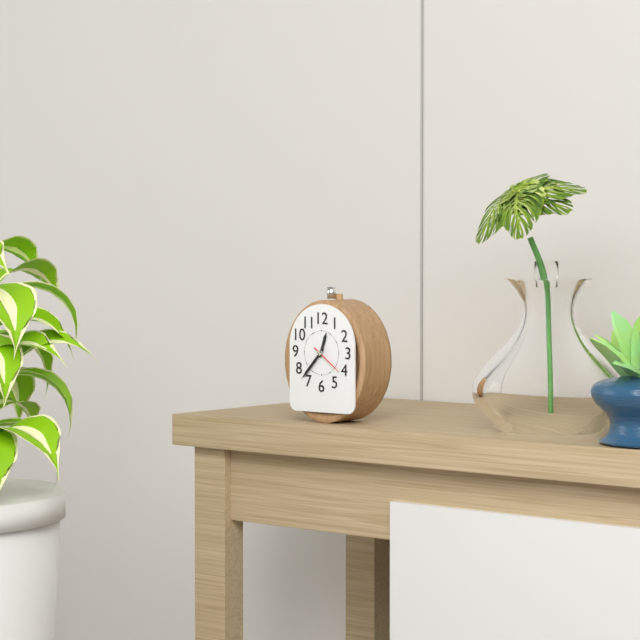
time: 12:37
